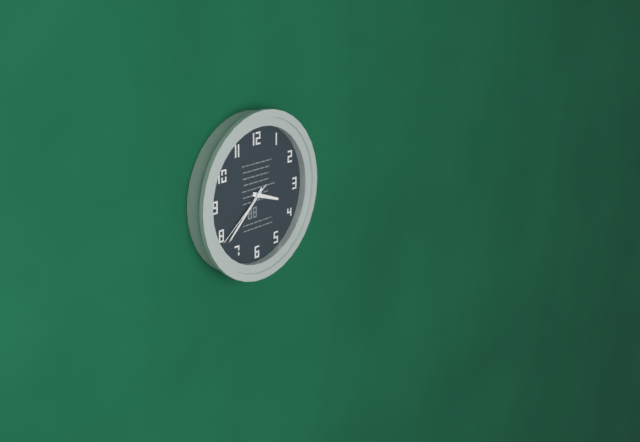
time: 3:38:39
